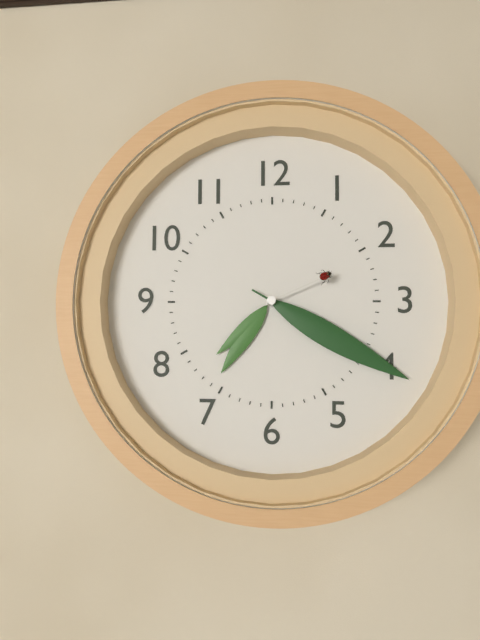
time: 7:20:11
